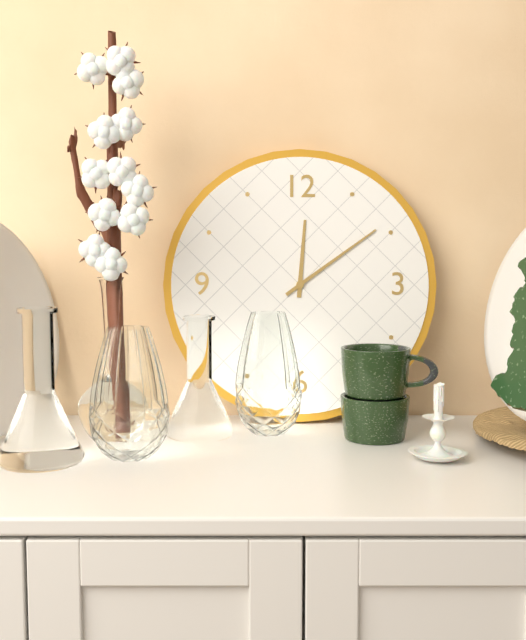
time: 12:09
